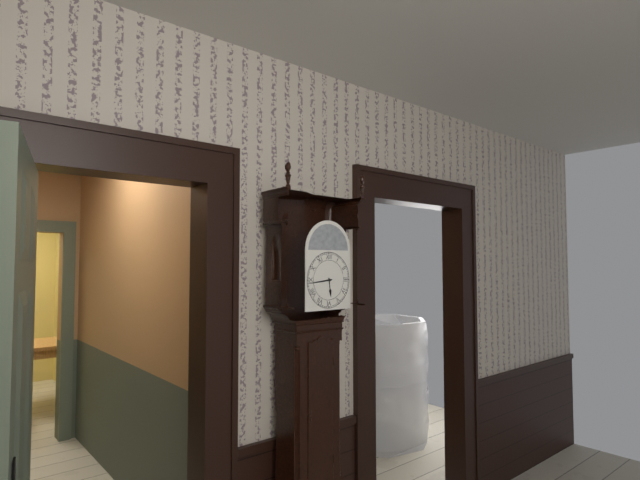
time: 5:44
